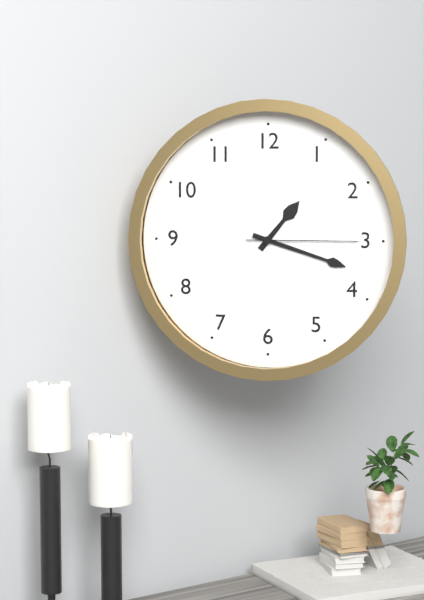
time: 1:18:15
